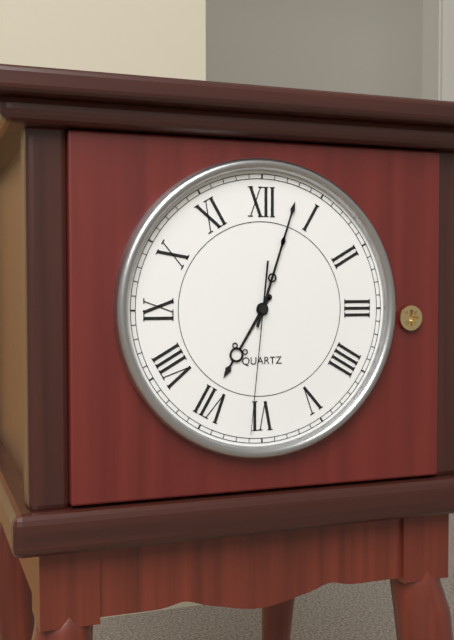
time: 7:03:31
